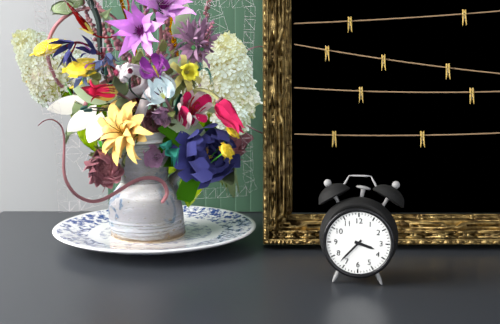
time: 3:37
